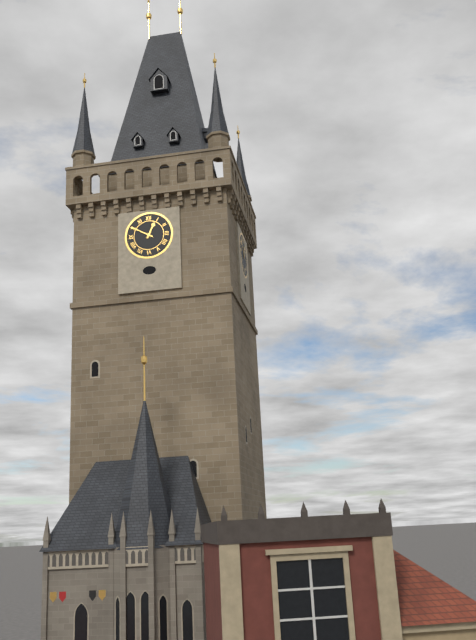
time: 12:50
